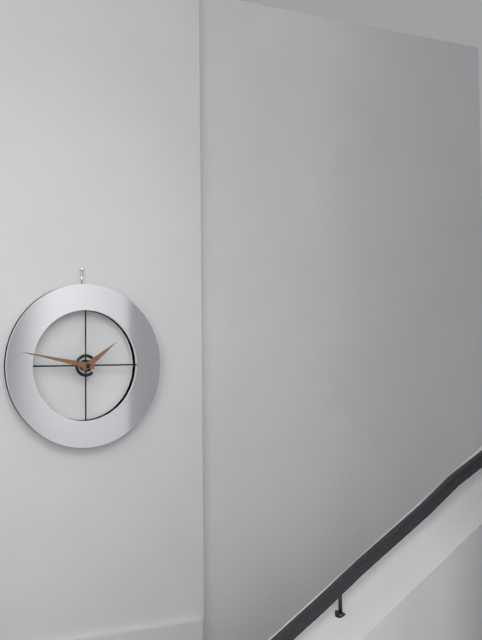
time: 1:47
